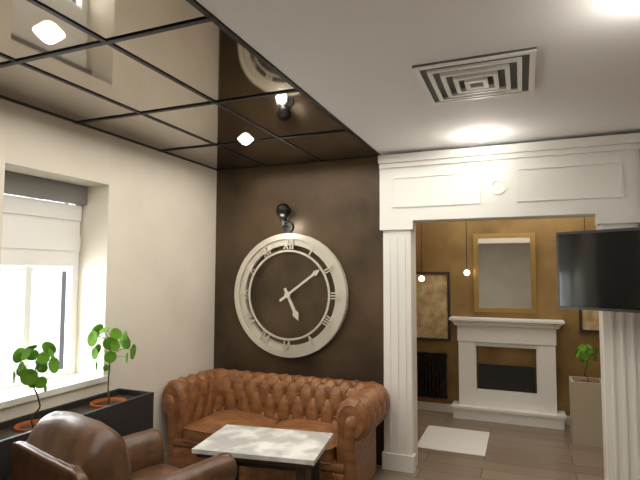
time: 5:09
